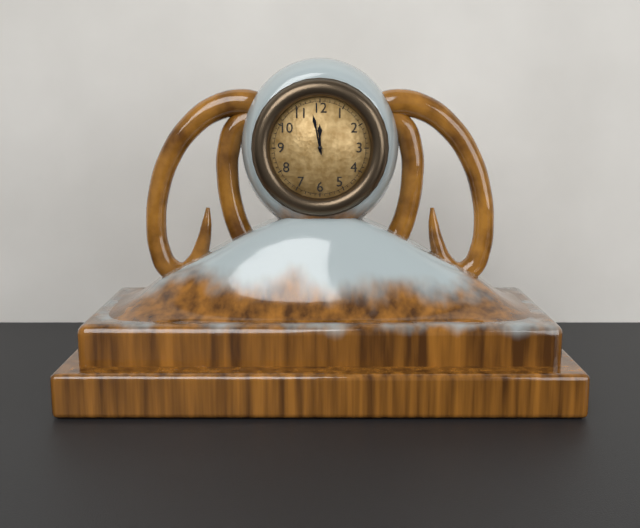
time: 11:58
